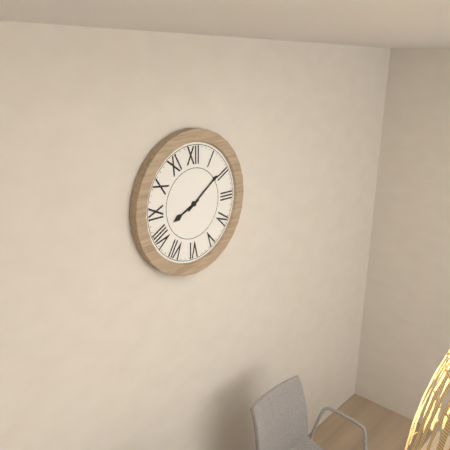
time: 8:09
